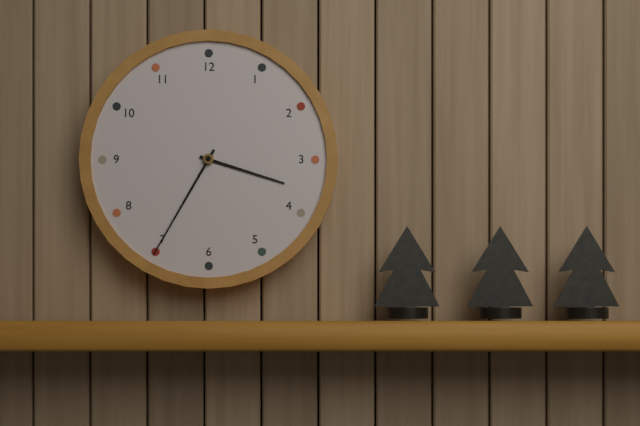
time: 3:35
